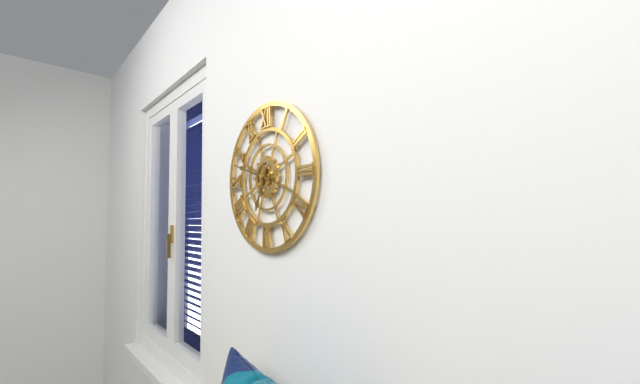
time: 6:48
